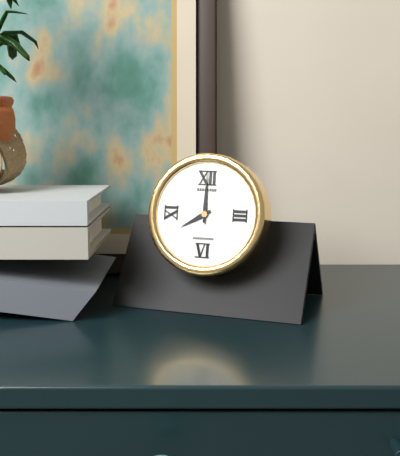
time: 8:00
